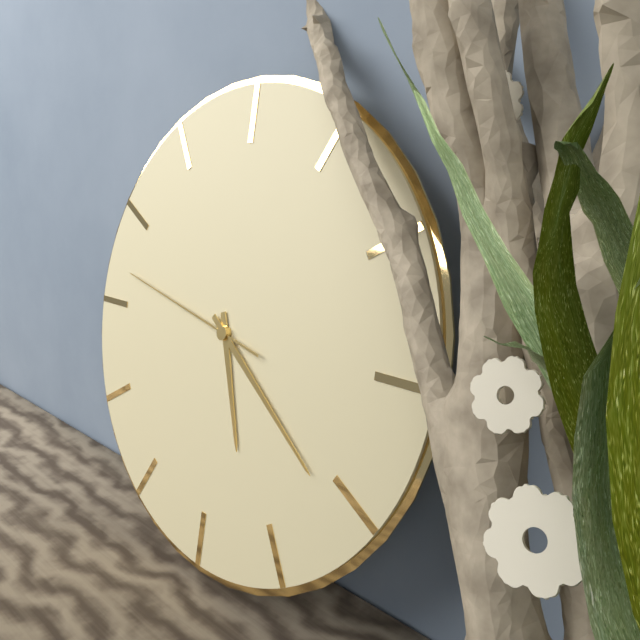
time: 5:21:47
